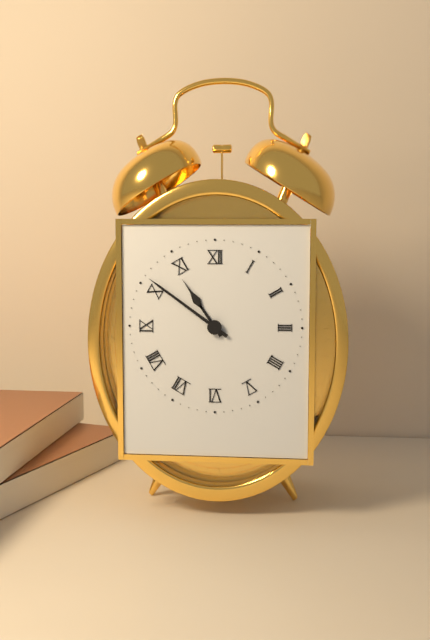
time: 10:51
